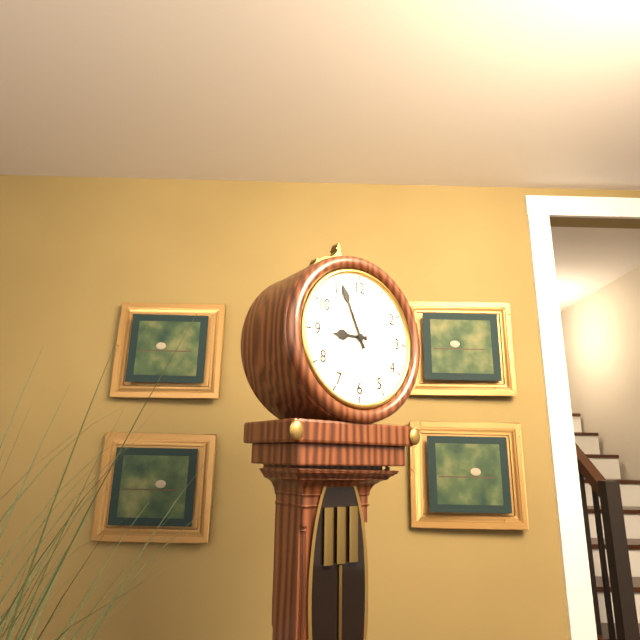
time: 8:56
